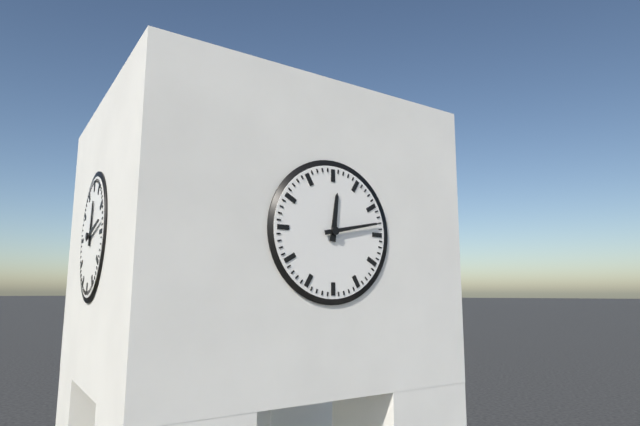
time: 12:13
